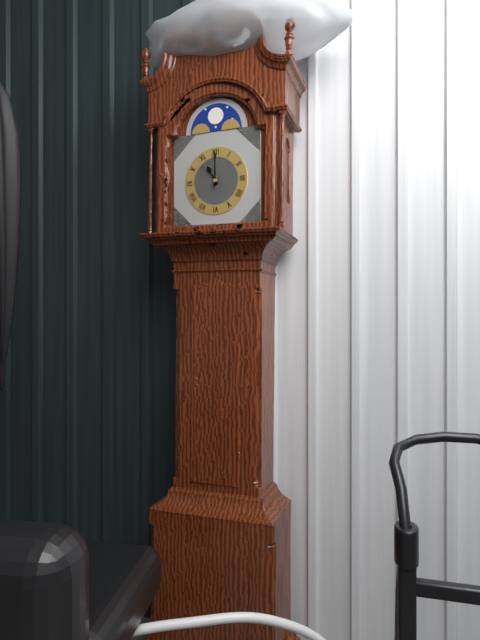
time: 11:00
